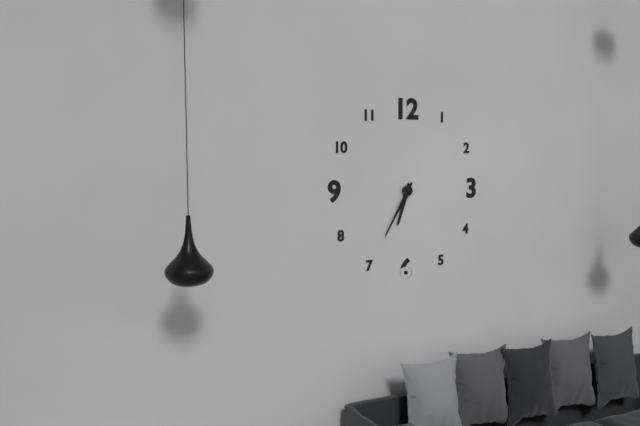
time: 6:35
